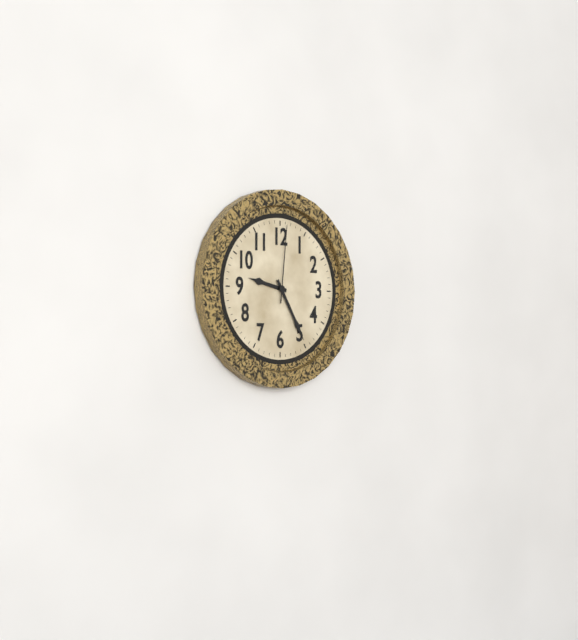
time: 9:25:01
